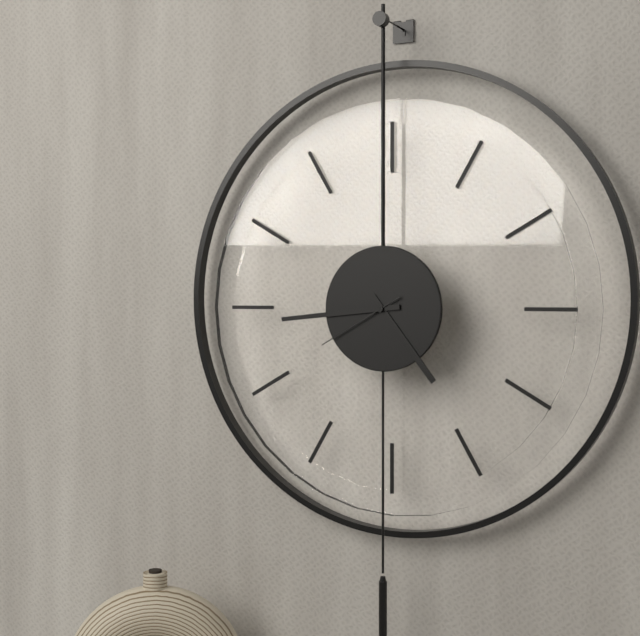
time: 4:44:40
